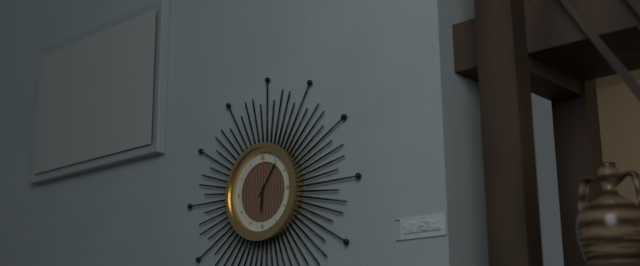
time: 6:06
